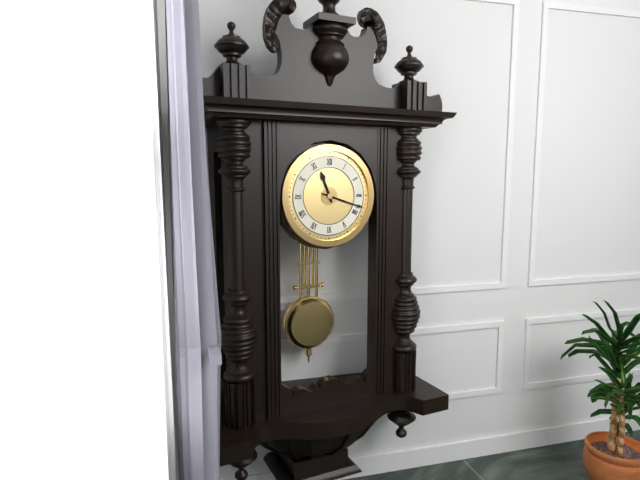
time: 11:18
